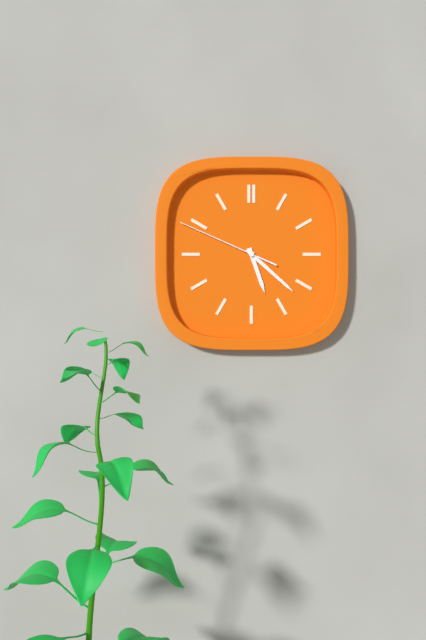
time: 5:22:49
